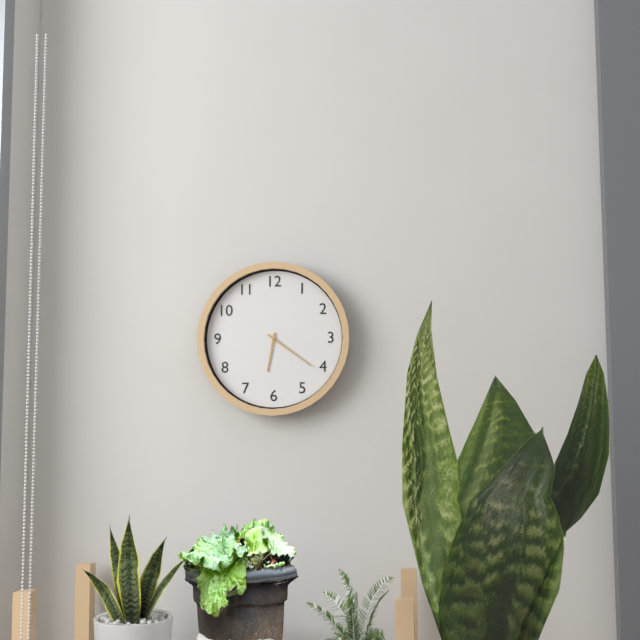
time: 6:21
